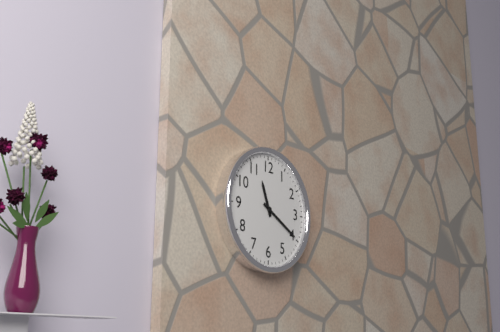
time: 11:20
